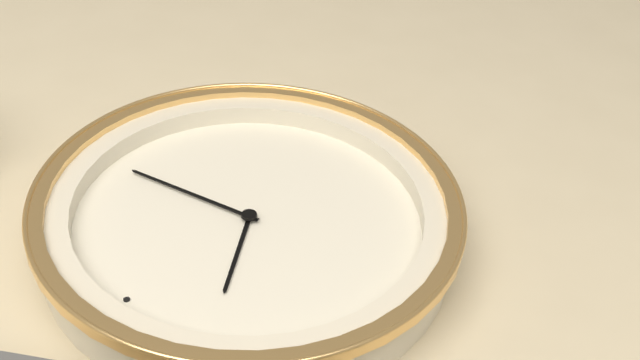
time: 10:09
